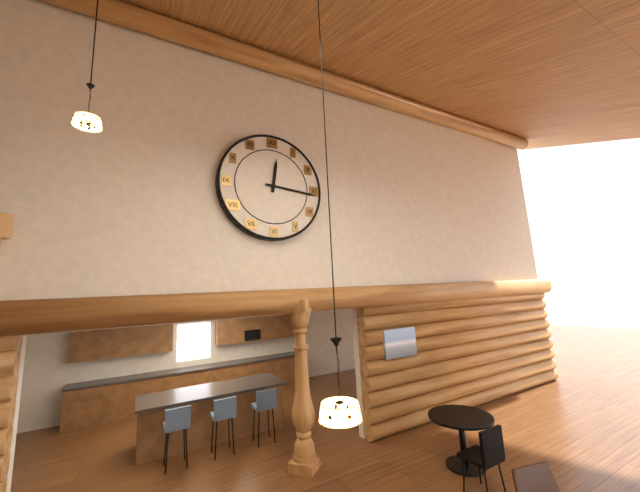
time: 12:16
